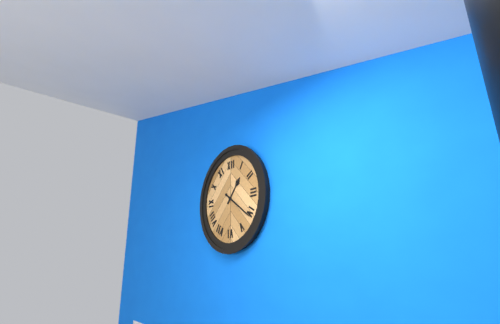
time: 1:21
